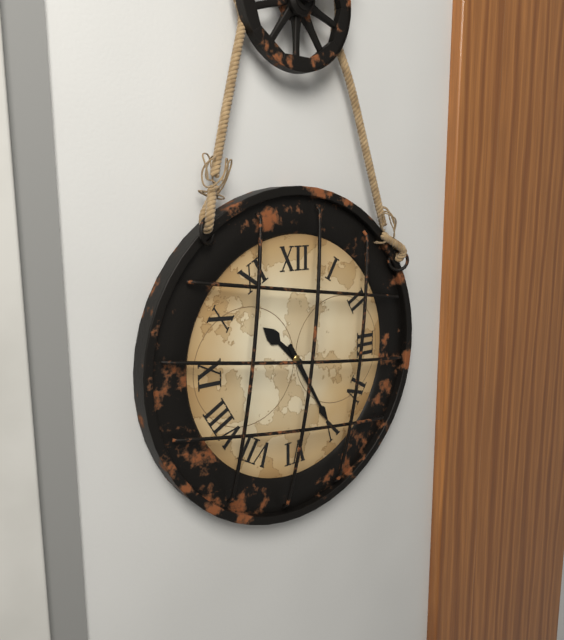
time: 10:25
